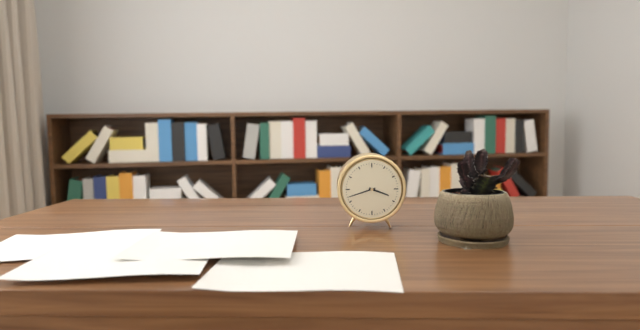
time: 3:42
